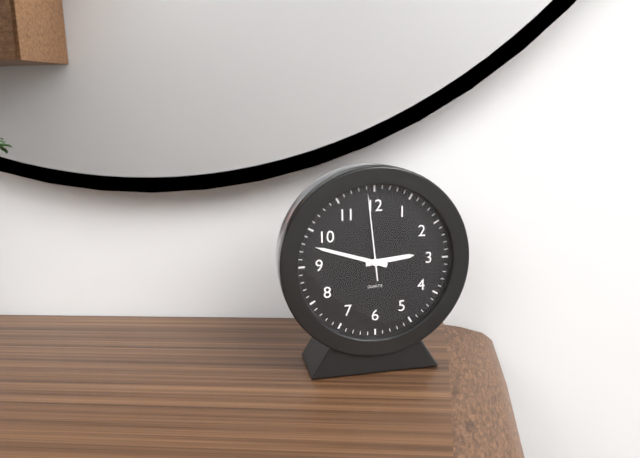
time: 2:48:59
